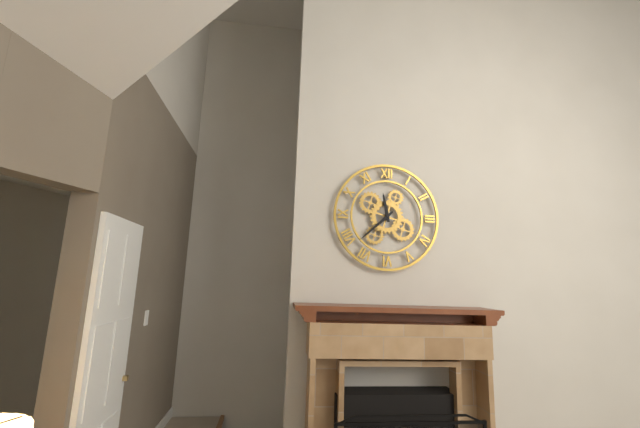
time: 11:38
